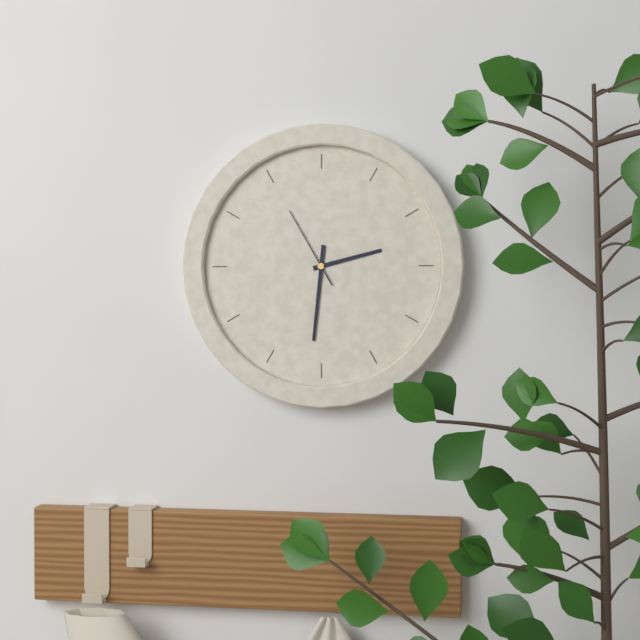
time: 2:31:55
